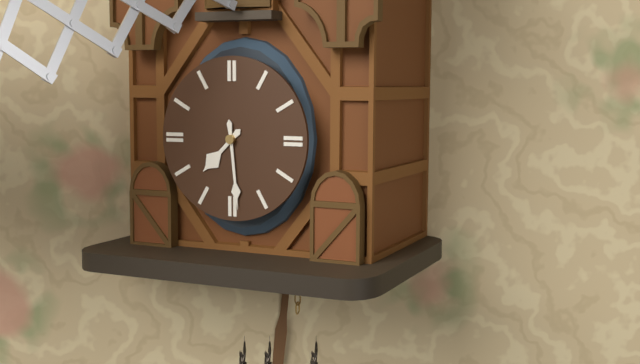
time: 7:29
